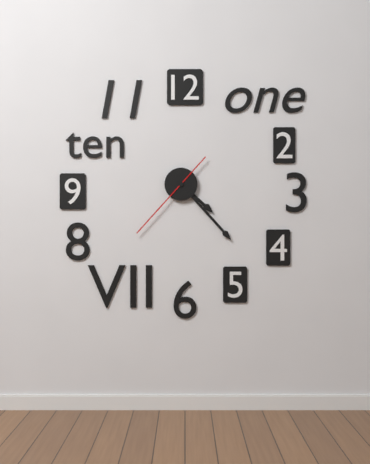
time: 4:23:37
